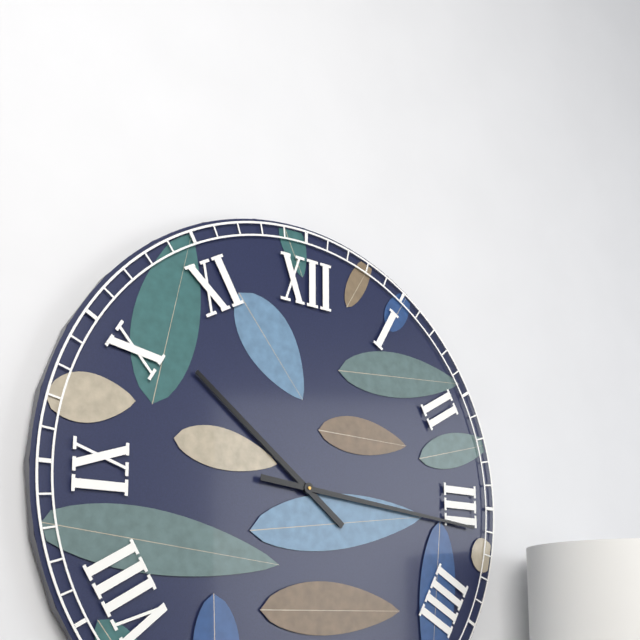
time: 10:16
